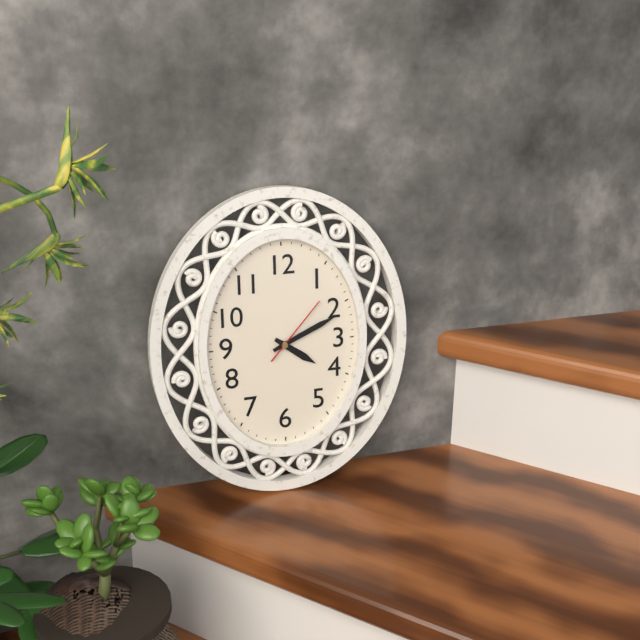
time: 4:11:07
